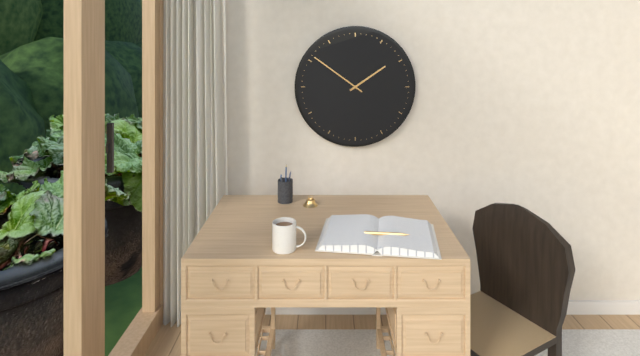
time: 1:51
